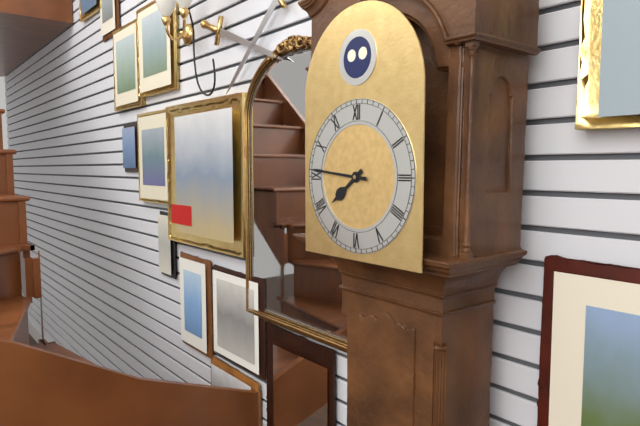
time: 7:46
